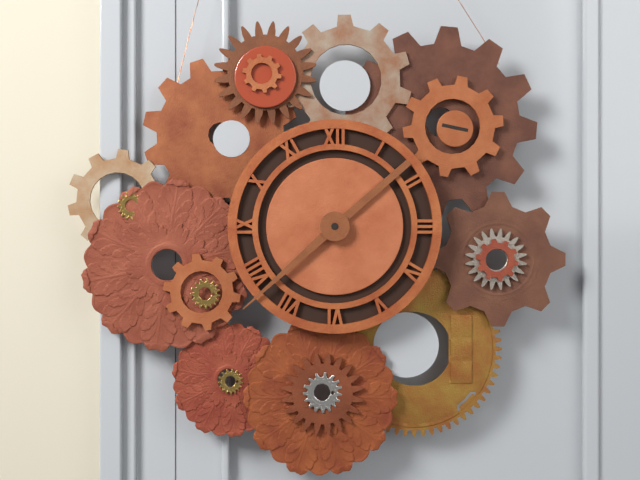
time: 1:38
